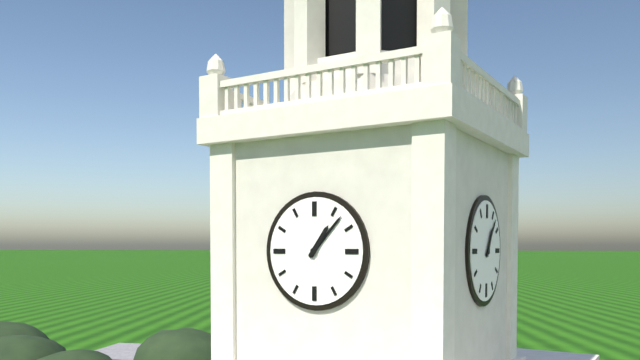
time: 1:07
